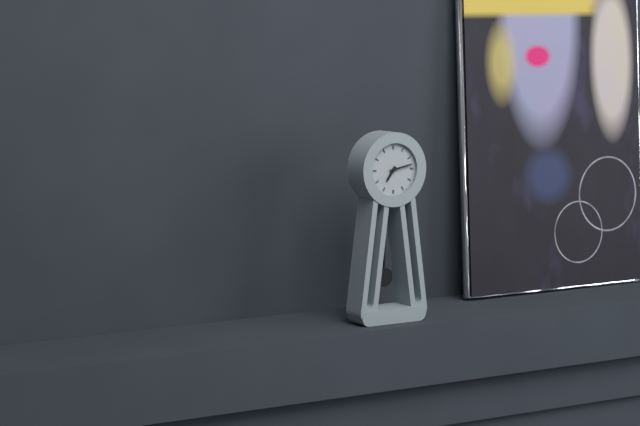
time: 7:13
